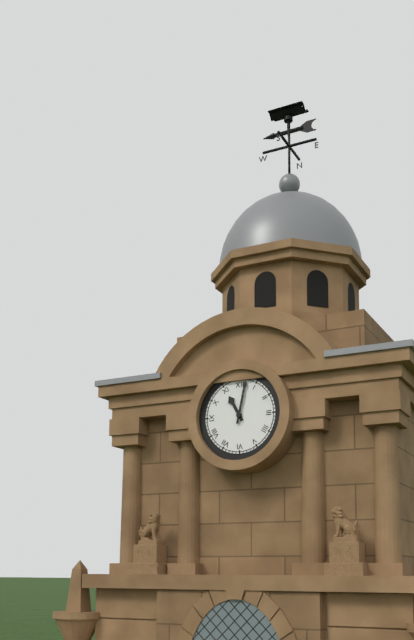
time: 11:02
